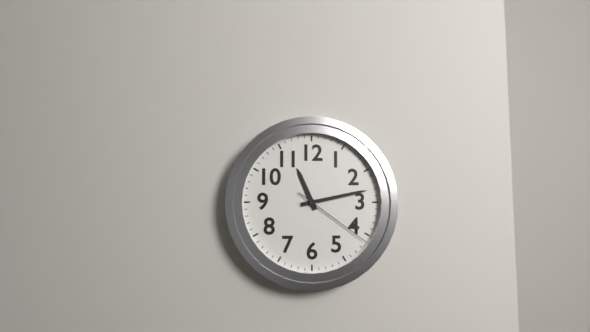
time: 11:13:21
